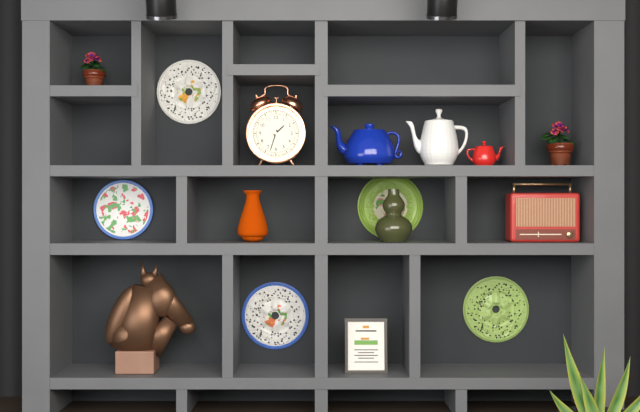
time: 1:33
